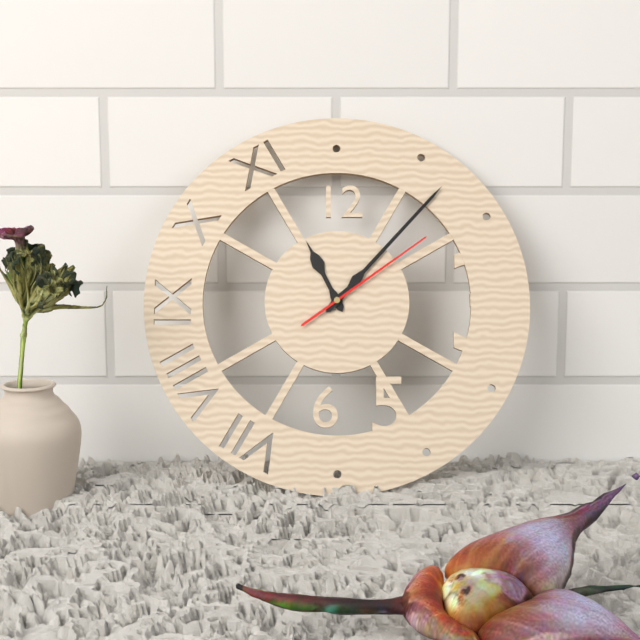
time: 11:07:09
